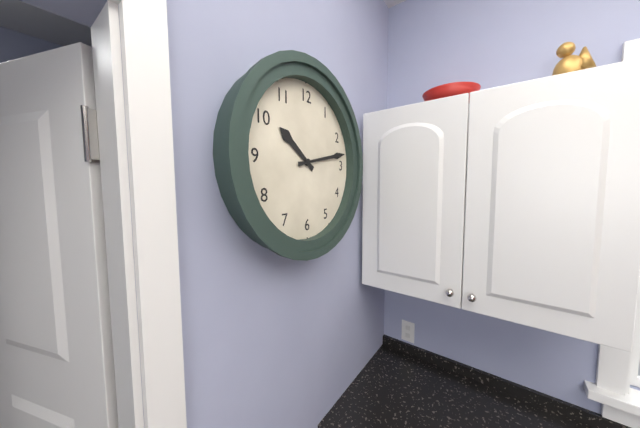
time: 10:13
